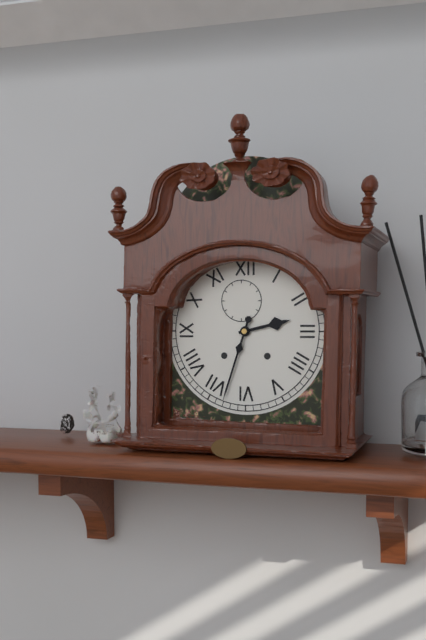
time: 2:33
